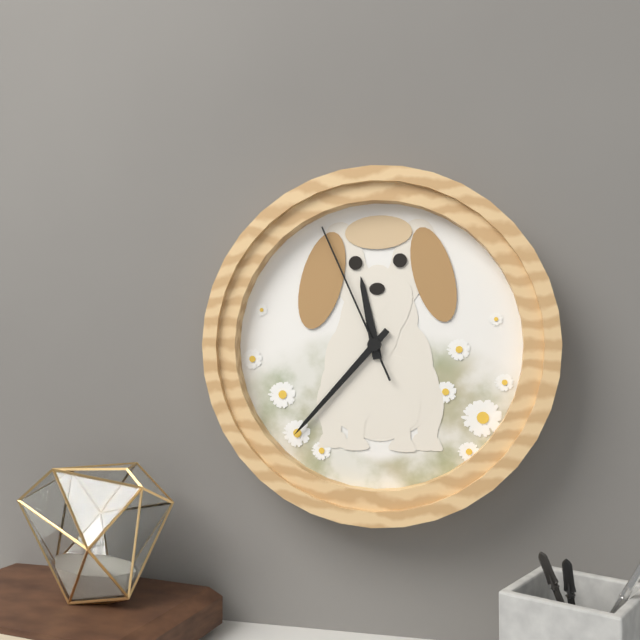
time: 11:37:56
